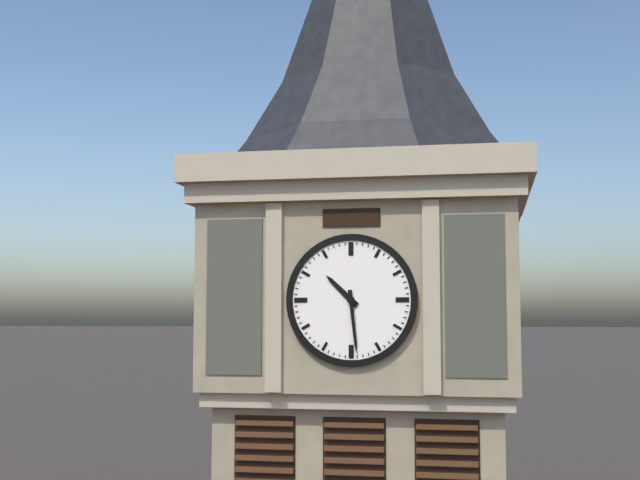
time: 10:29
